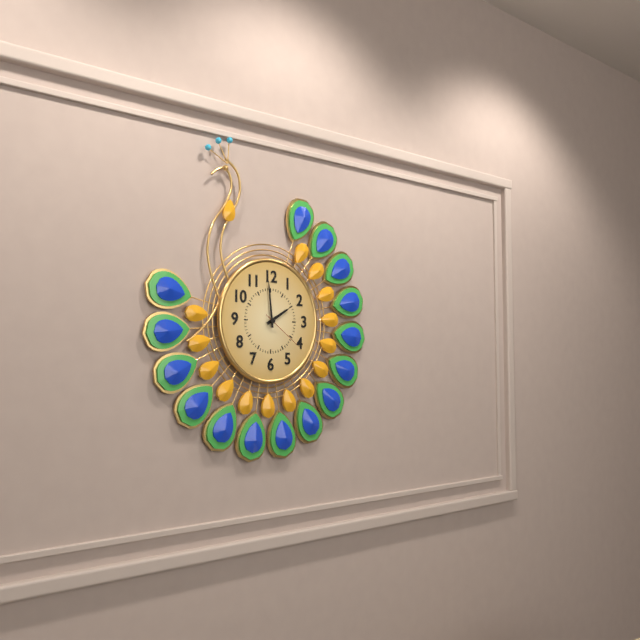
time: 1:59
